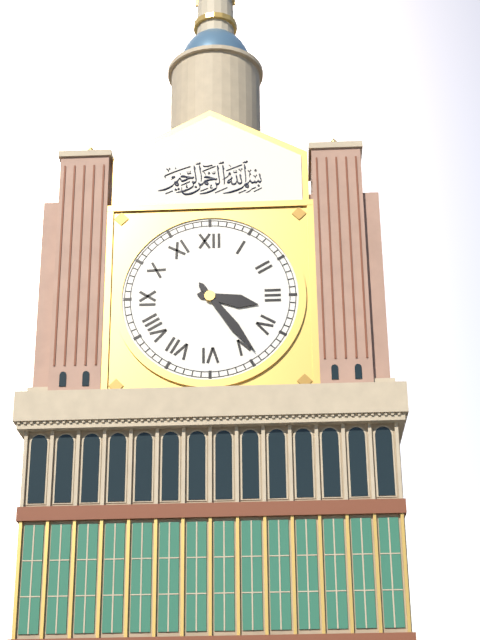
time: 3:24
